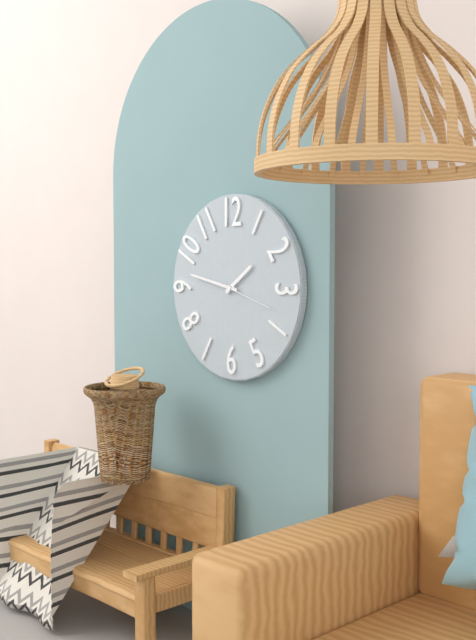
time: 1:47:18
